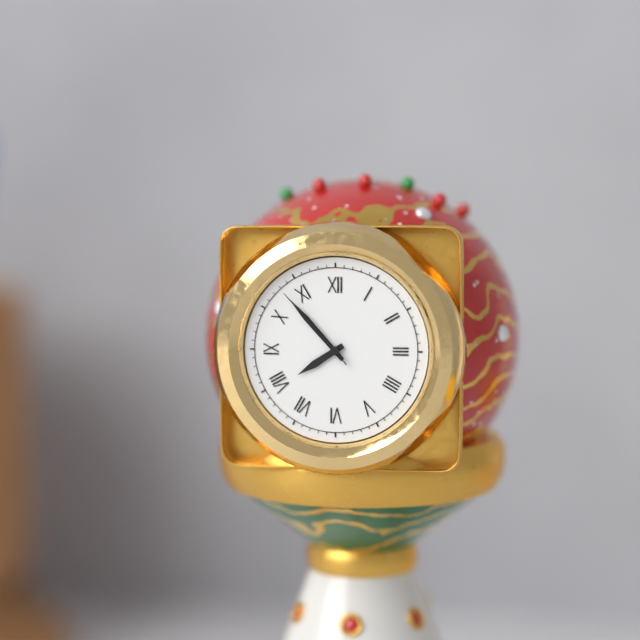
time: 7:53:53
